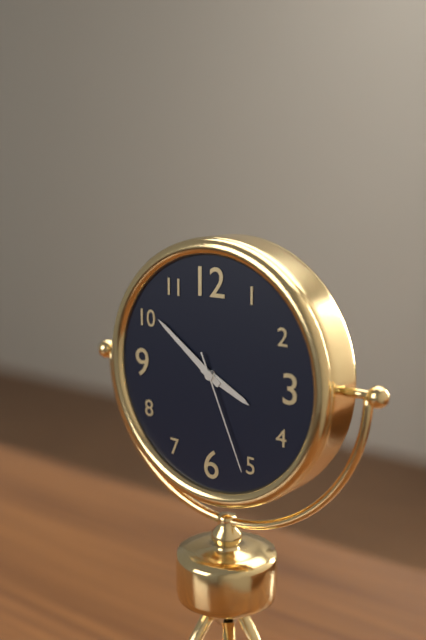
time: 3:51:26
